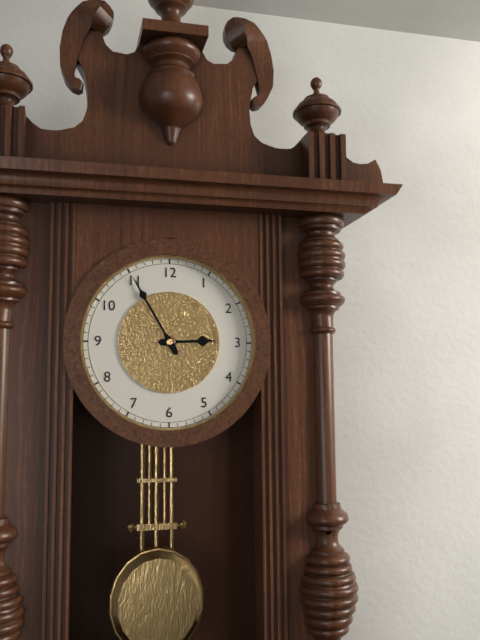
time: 2:55
